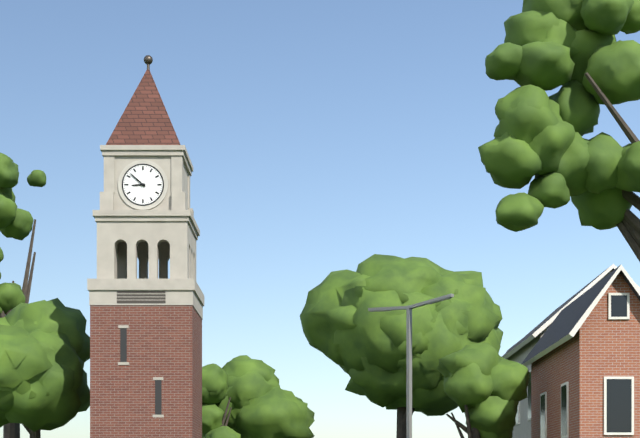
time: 8:52
